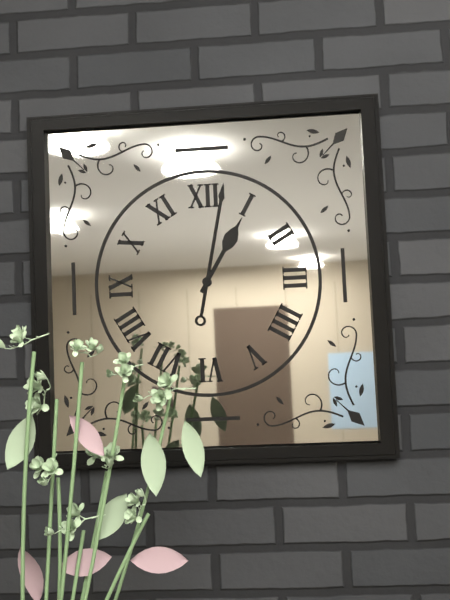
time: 1:02
